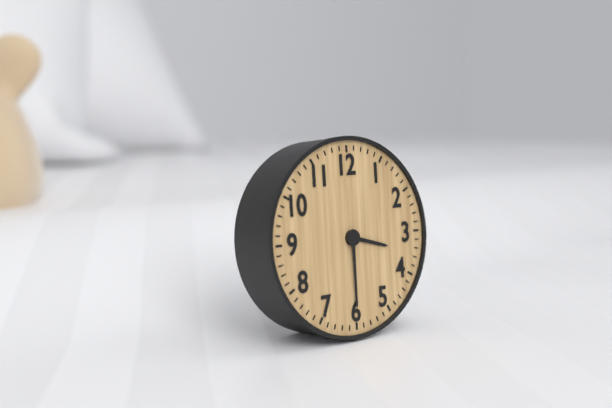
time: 3:30
